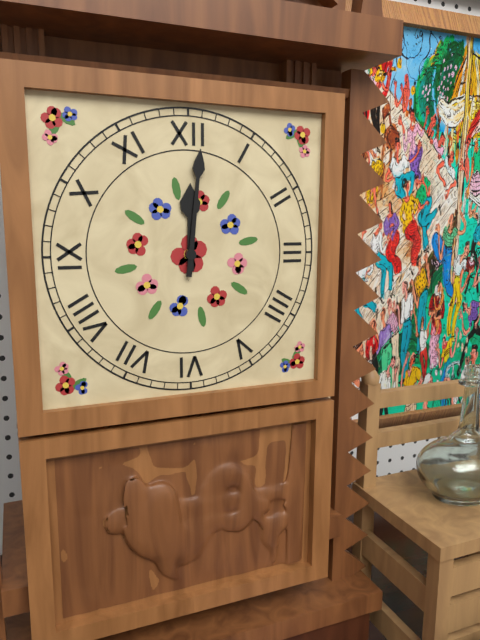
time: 12:01
